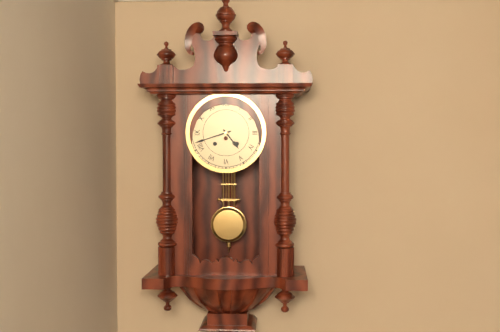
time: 4:42
